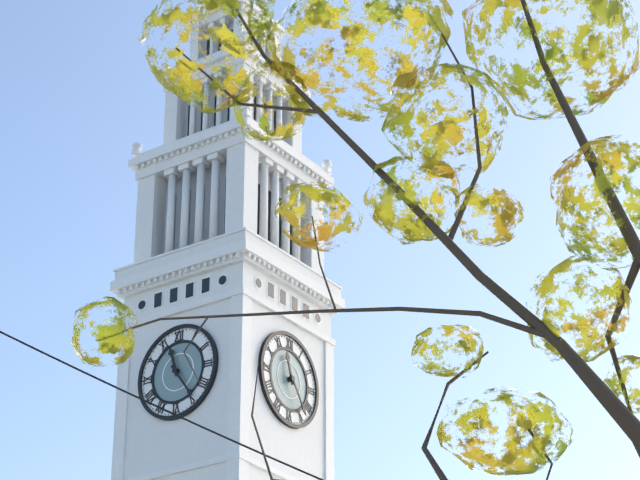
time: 11:24
